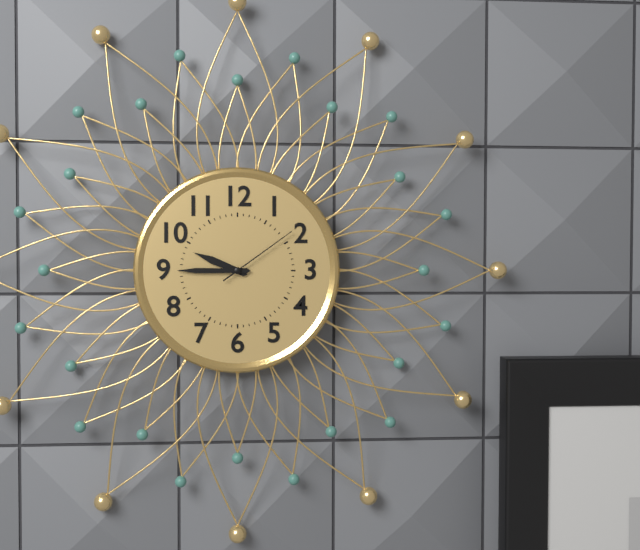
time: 9:45:09
